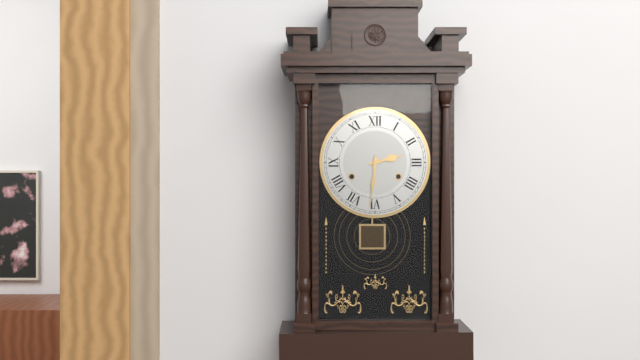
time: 2:31
